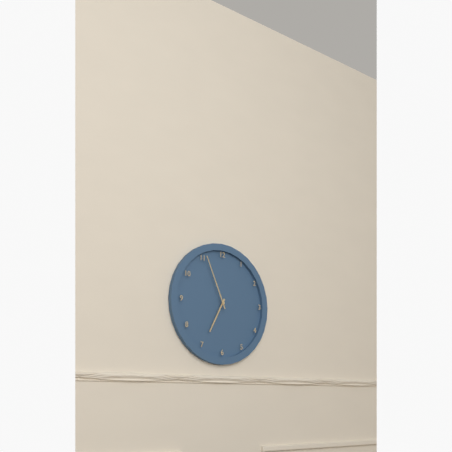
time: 6:56
